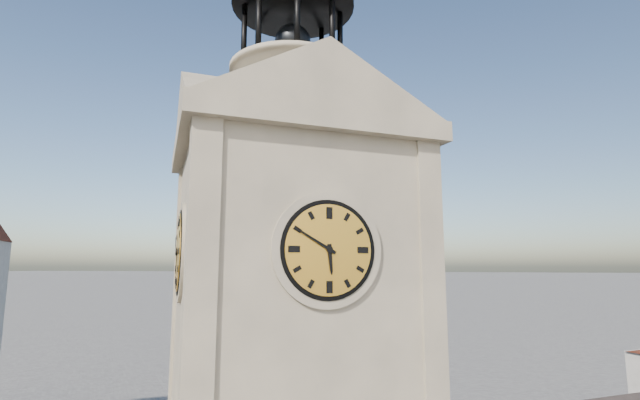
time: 5:50
